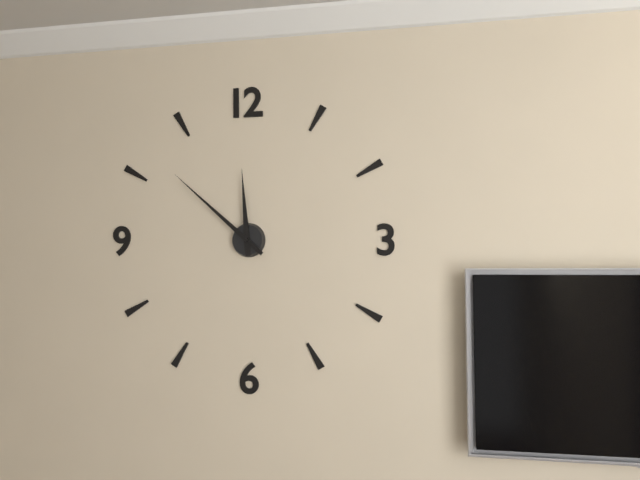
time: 11:52
